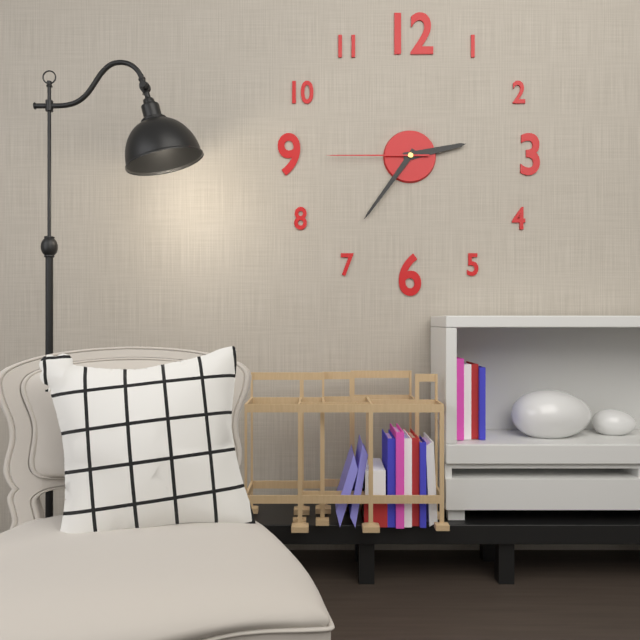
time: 2:36:45
